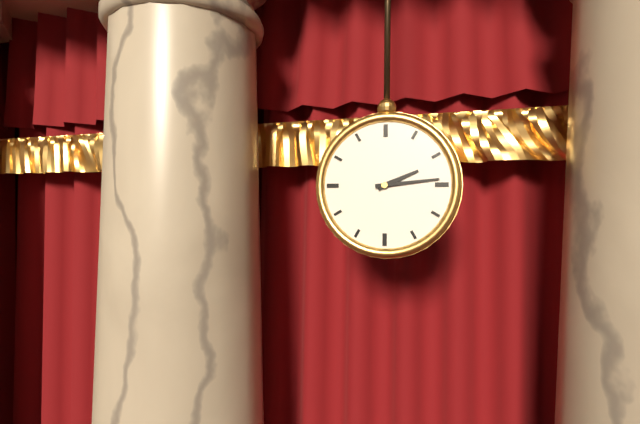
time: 2:14
